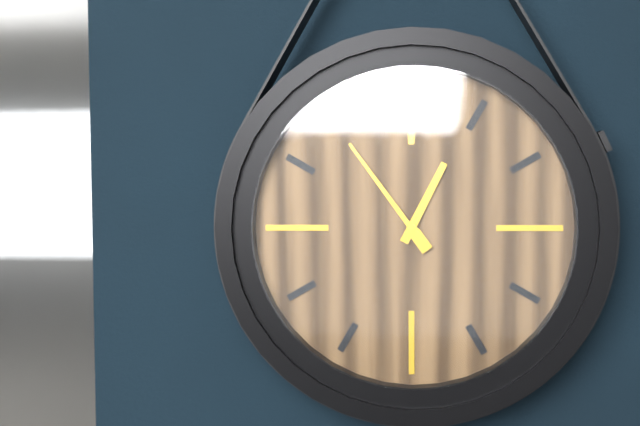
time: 12:54
